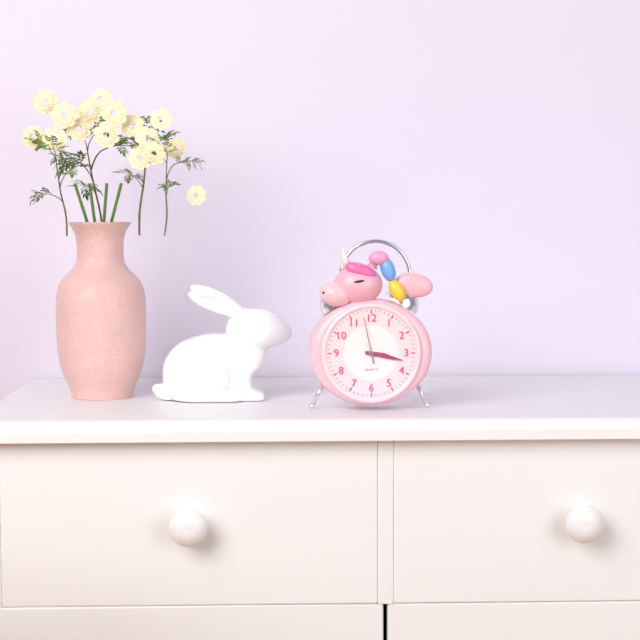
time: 3:17
